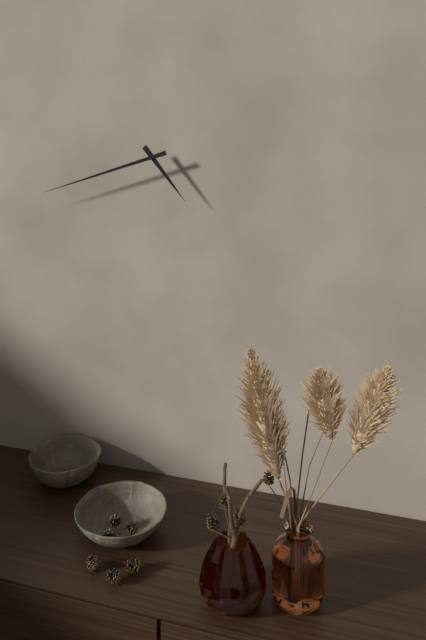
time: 4:42
